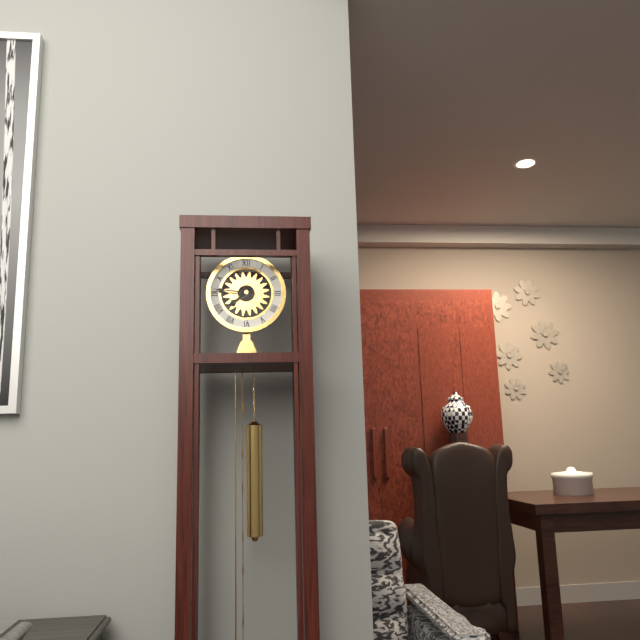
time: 7:46
